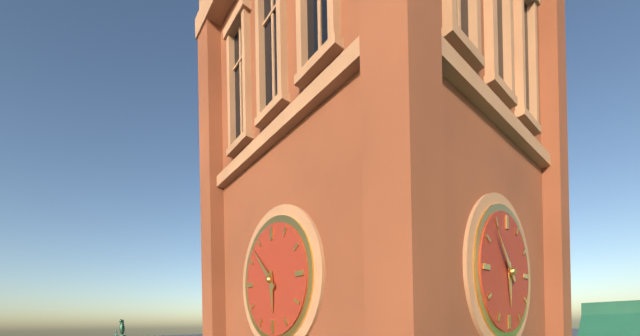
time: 5:53
